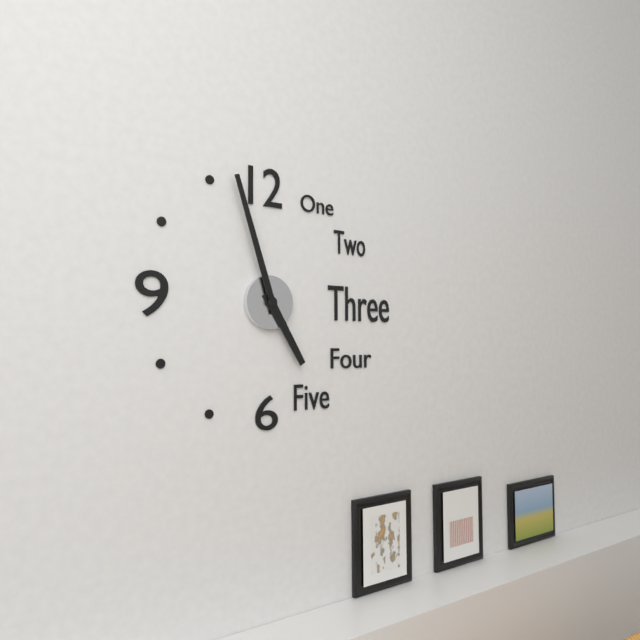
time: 4:57
